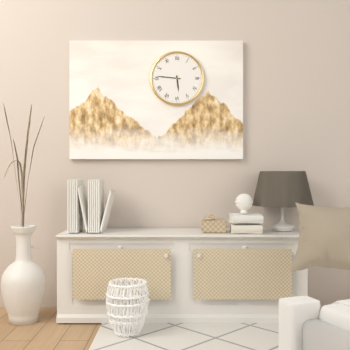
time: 5:46
